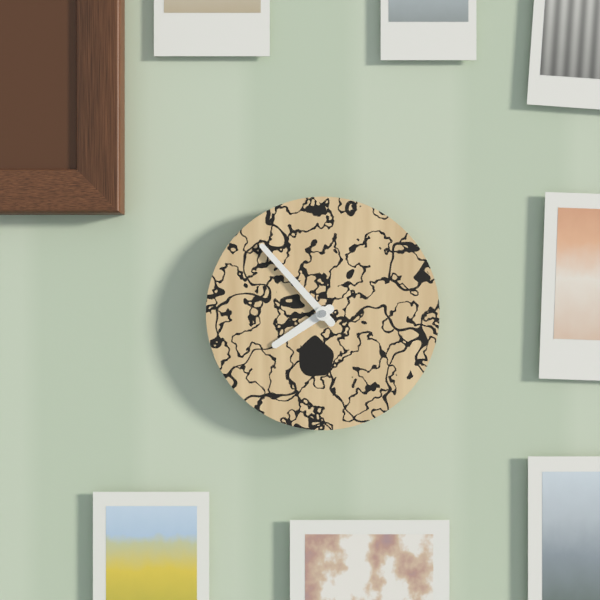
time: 7:53
